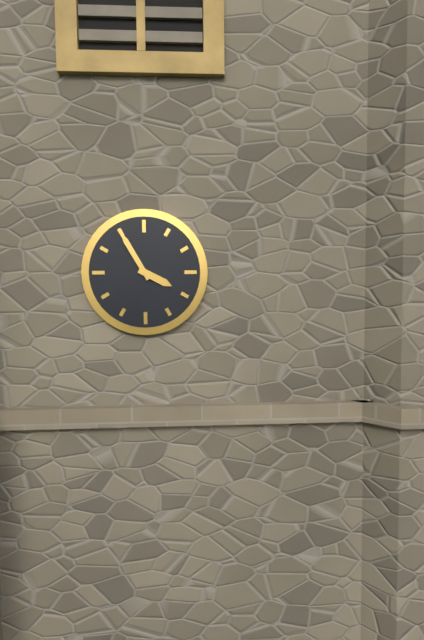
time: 3:55
